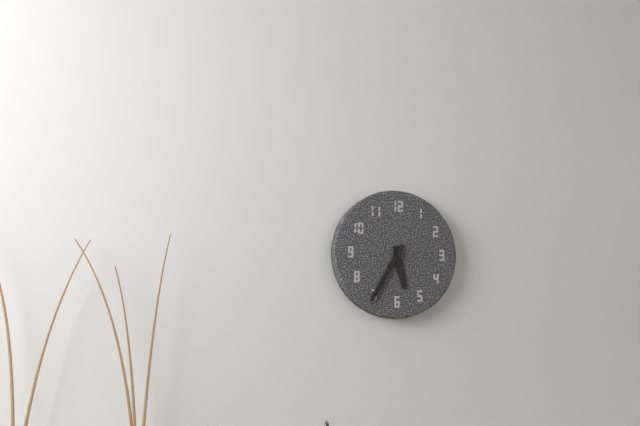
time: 5:35
